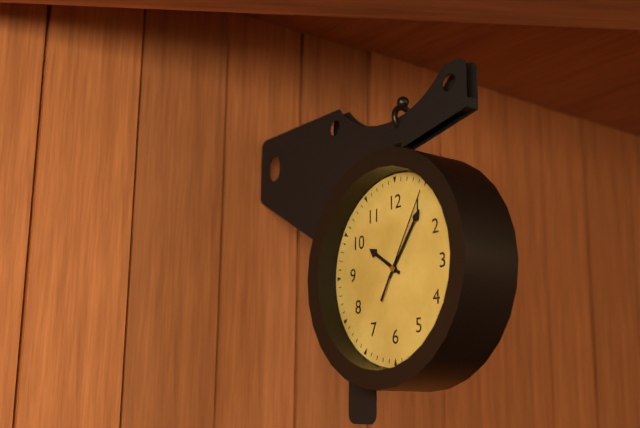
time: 10:06:05
